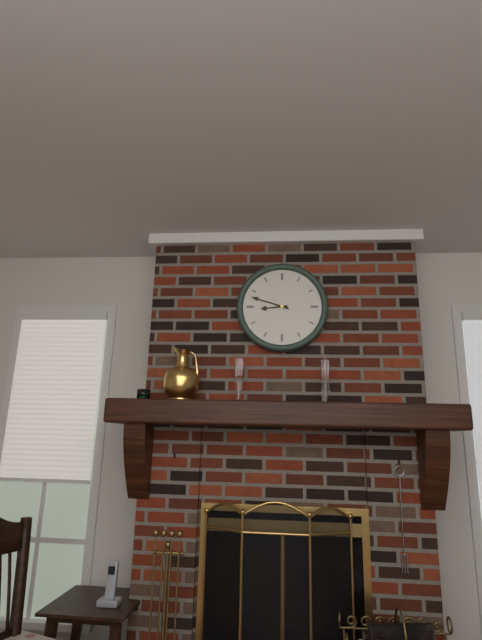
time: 8:48
